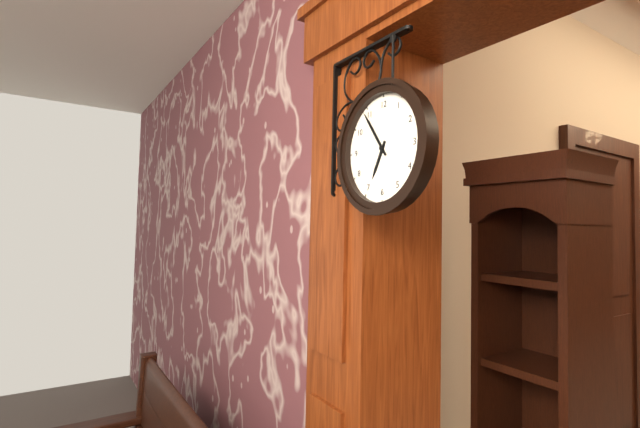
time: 6:54
